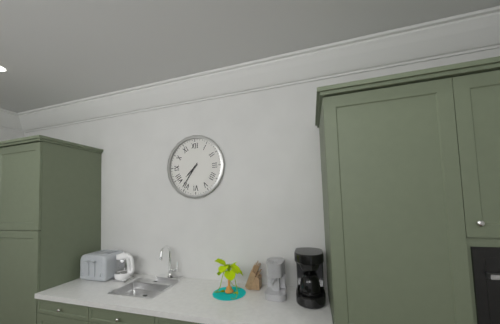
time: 7:36
